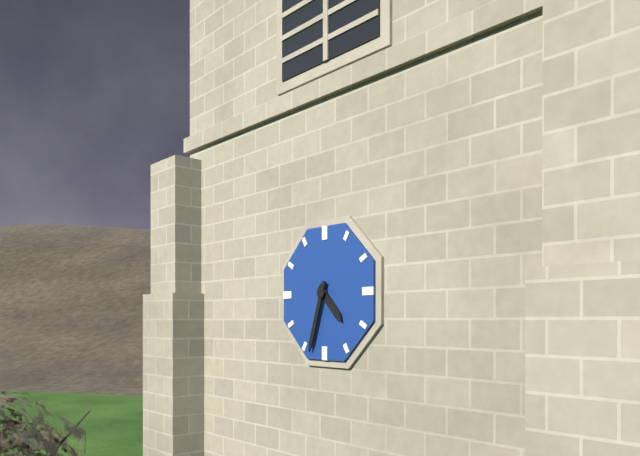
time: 4:33
